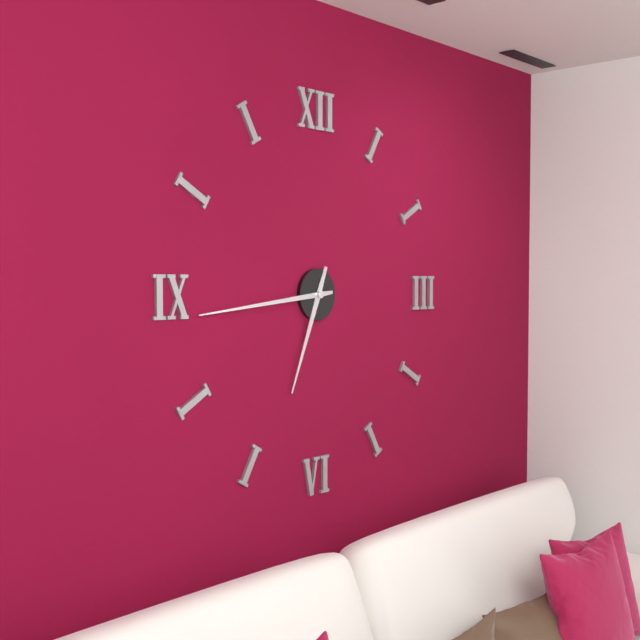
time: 6:44
